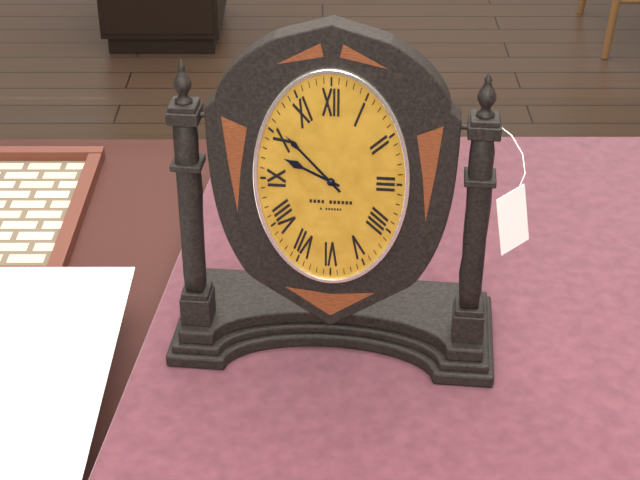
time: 9:53
